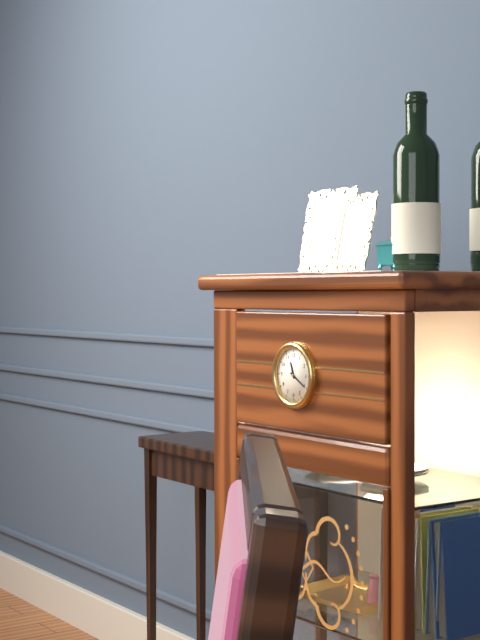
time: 11:20
